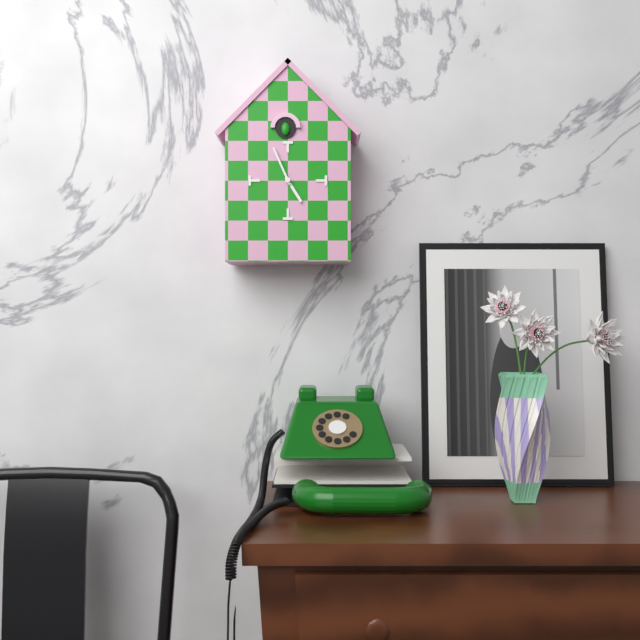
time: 4:56
